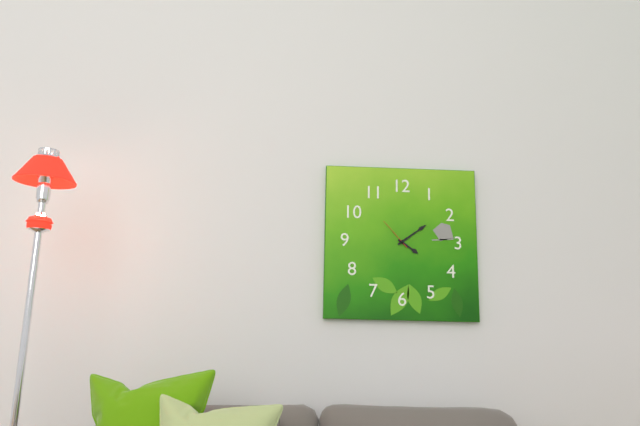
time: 4:09
